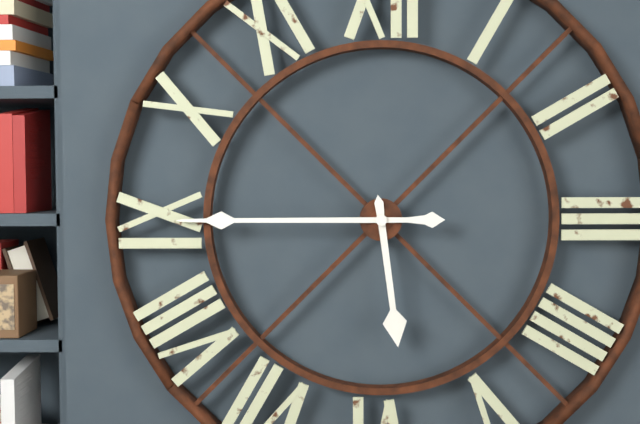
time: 5:45
